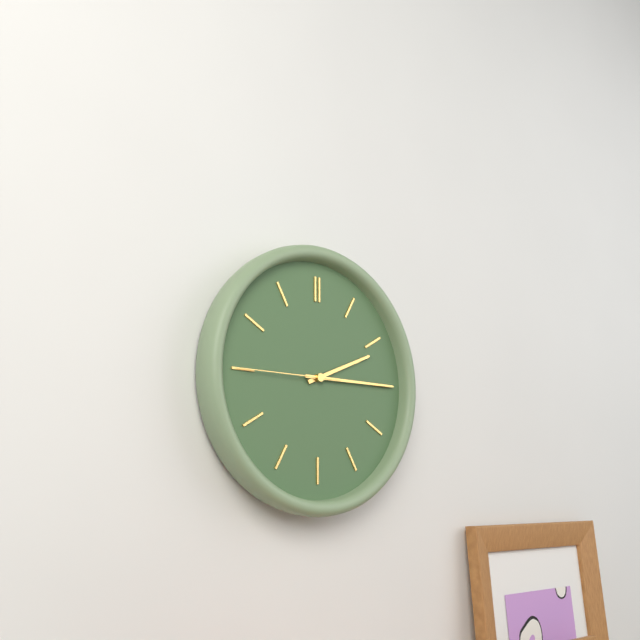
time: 2:15:45
